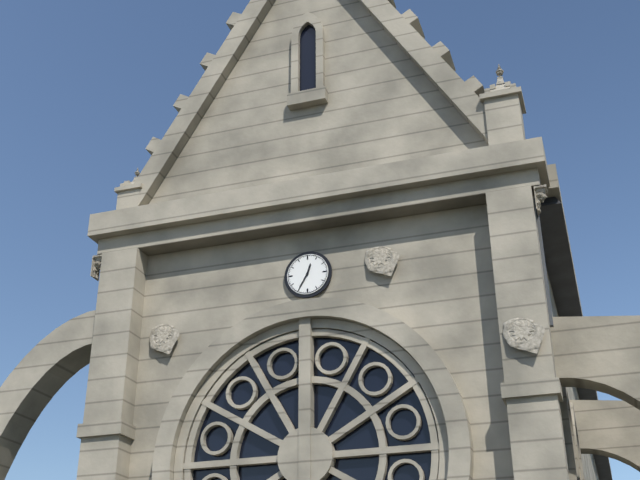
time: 12:35
